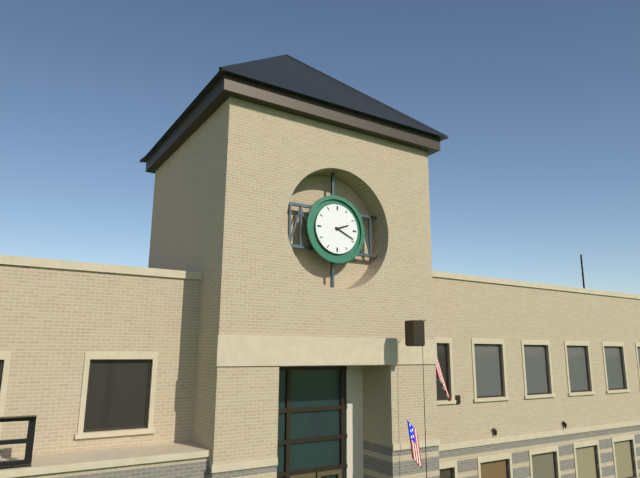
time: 2:19
